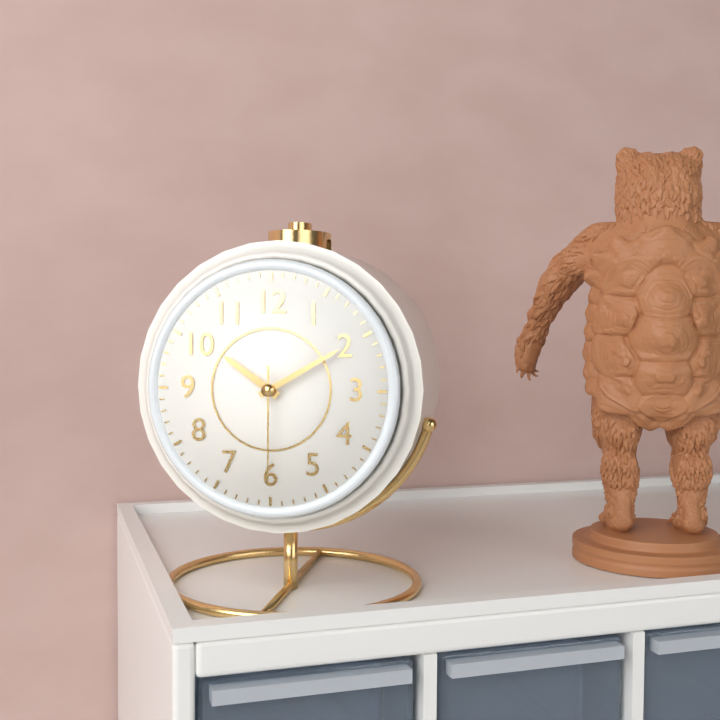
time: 10:10:30
